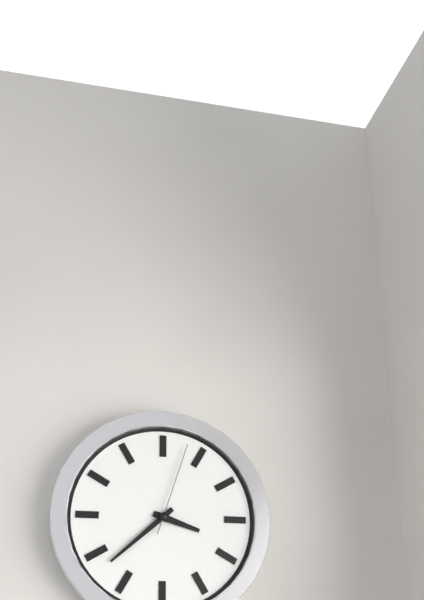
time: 3:38:03
